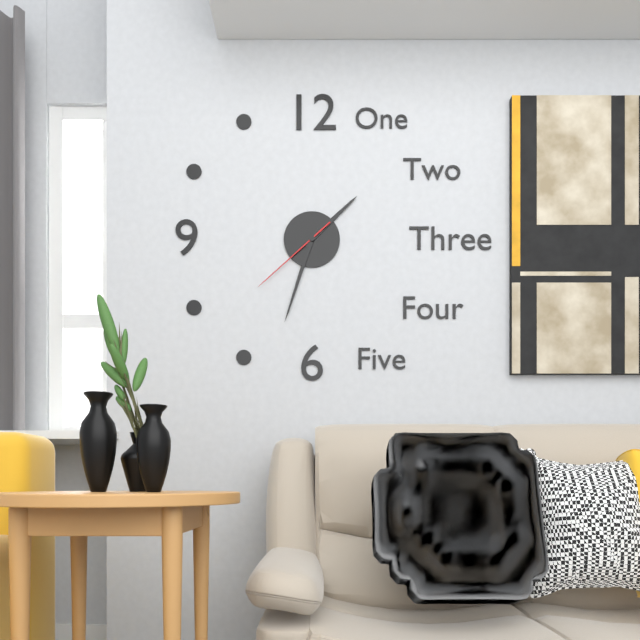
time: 1:33:38
